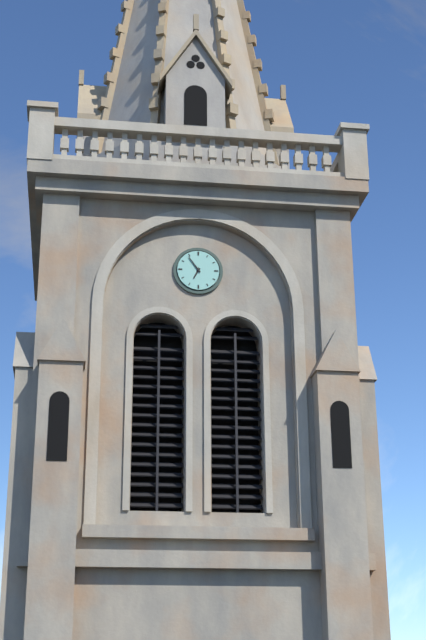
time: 6:54
